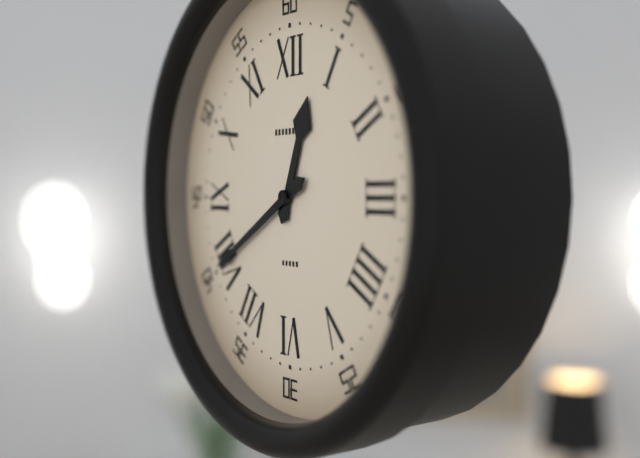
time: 12:40
